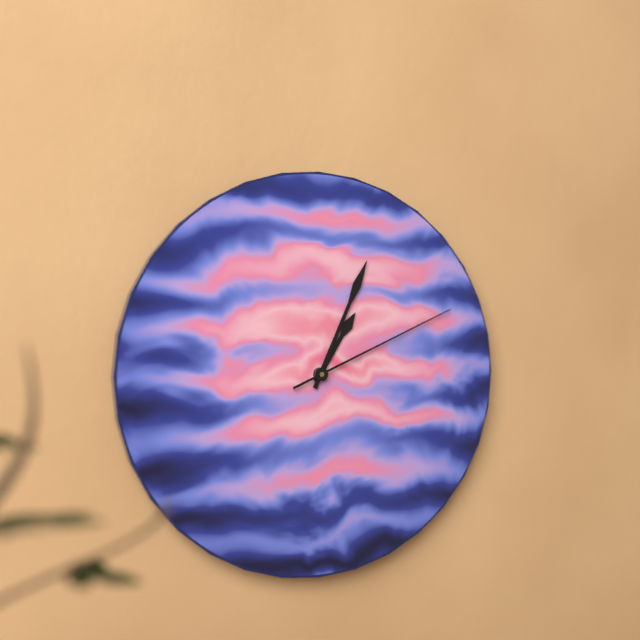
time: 1:04:11
